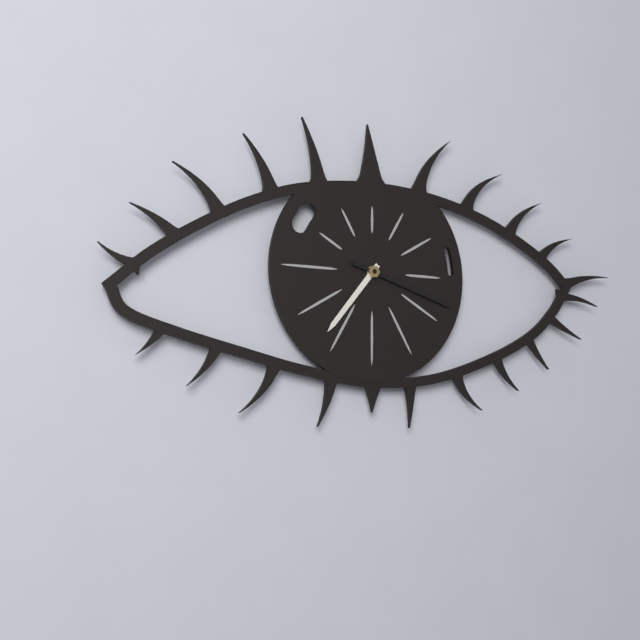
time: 7:18
